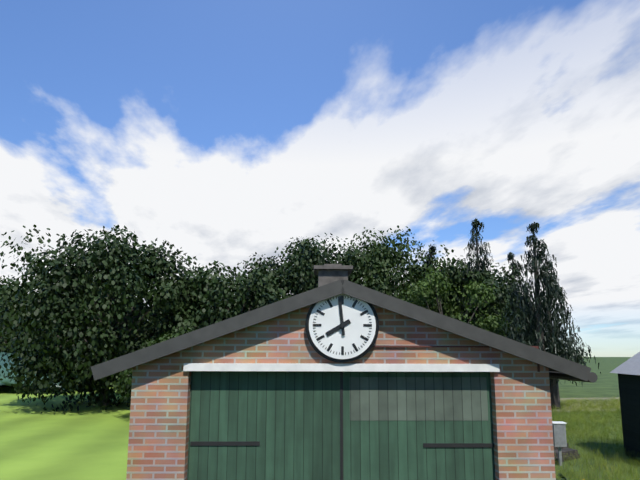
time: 7:59
